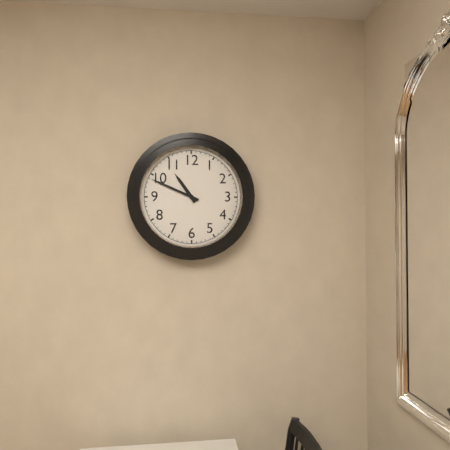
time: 10:49
